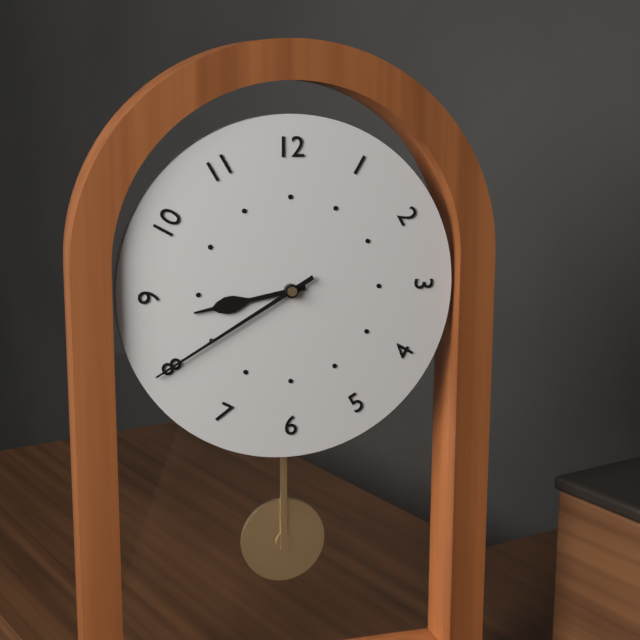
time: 8:40
